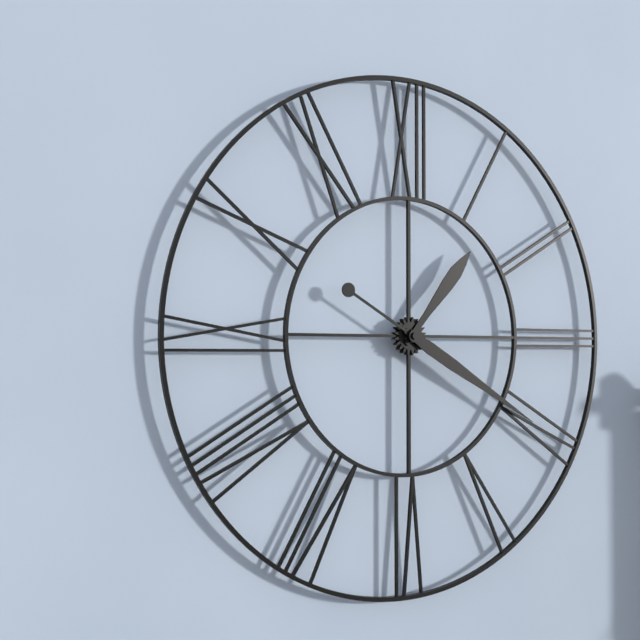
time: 1:20
